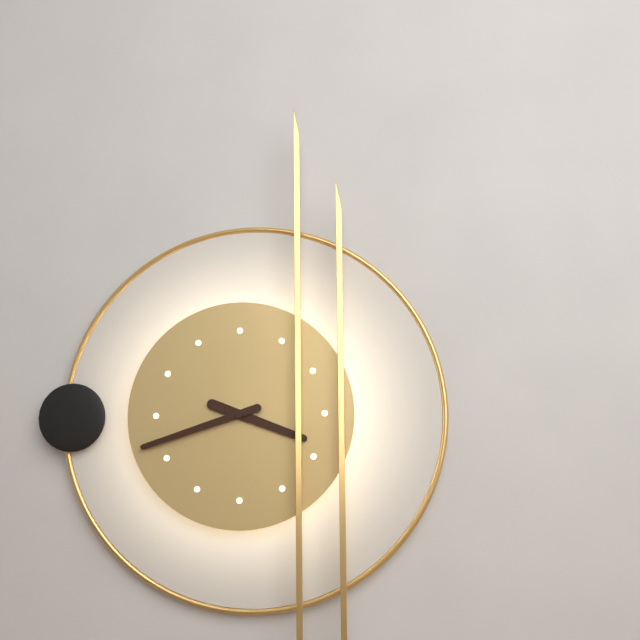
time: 3:42
